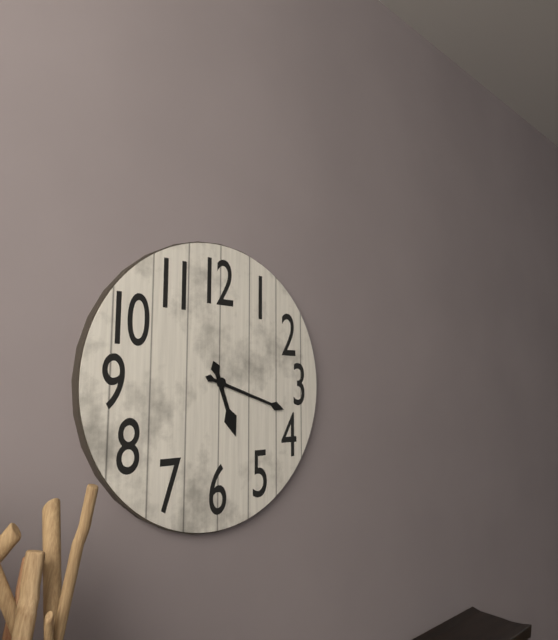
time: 5:18
